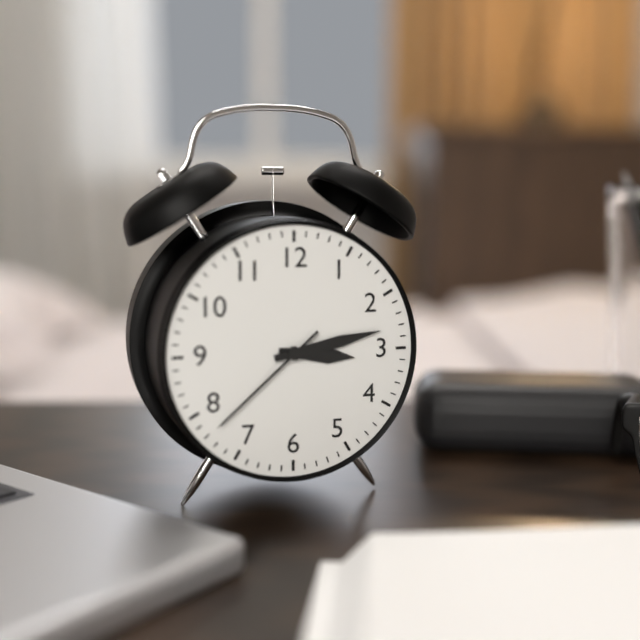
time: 3:13:38
